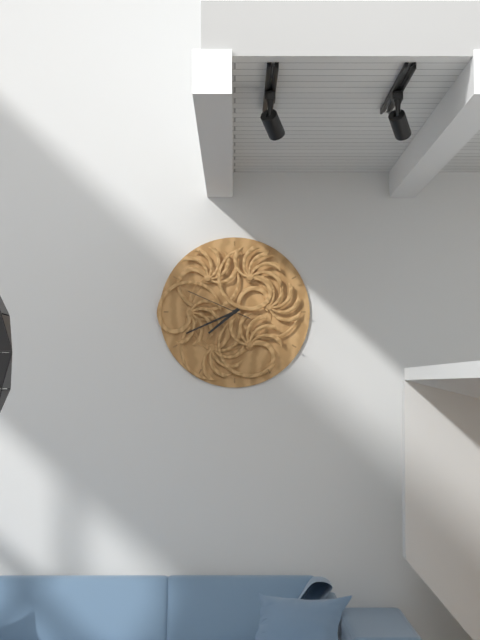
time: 7:41:49
